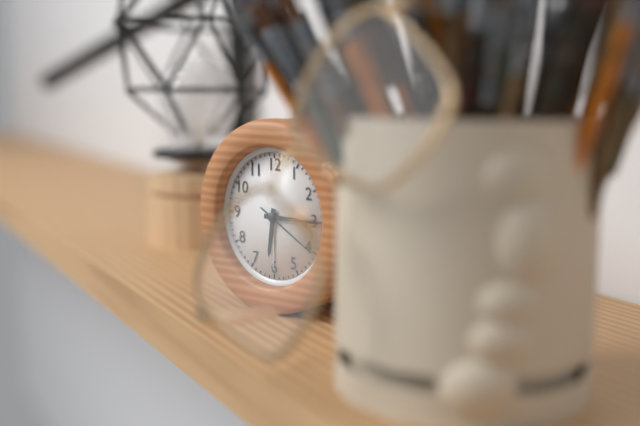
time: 6:15:20
